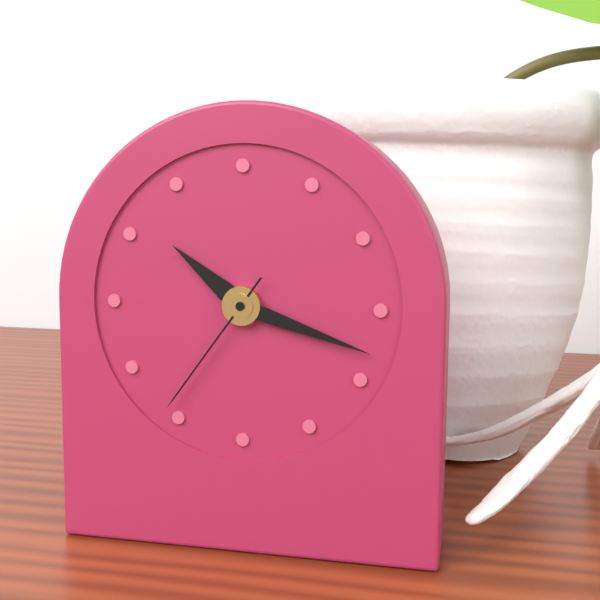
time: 10:18:36
